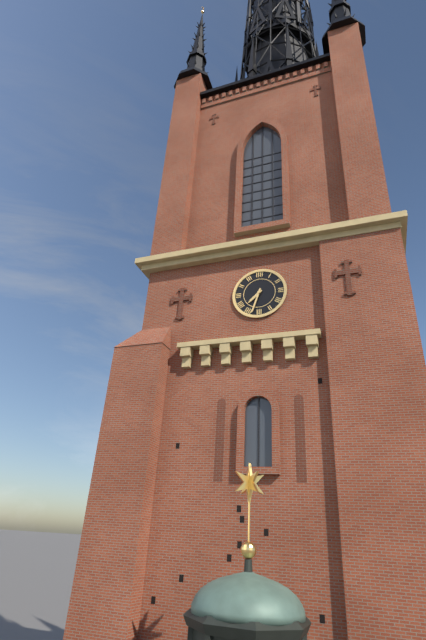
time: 7:33
